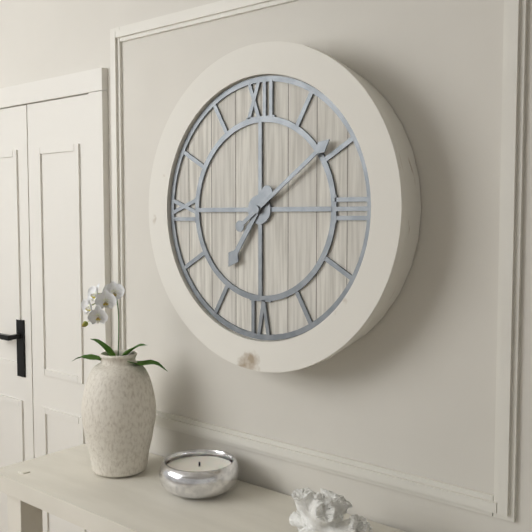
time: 7:09
